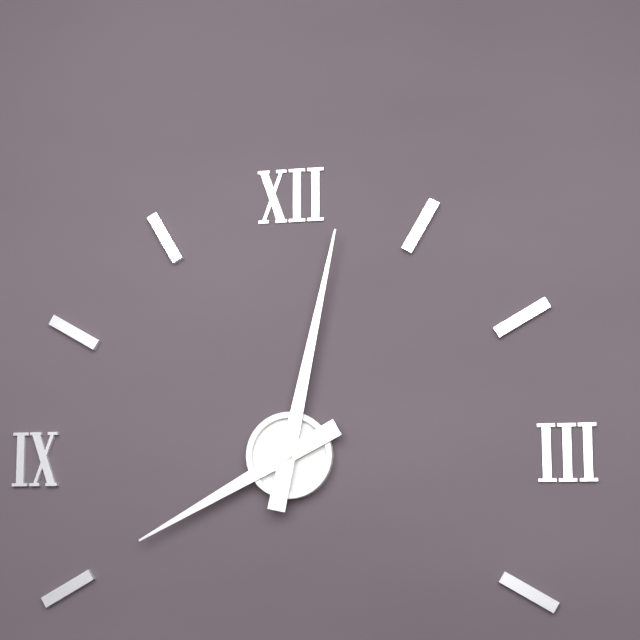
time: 8:02
